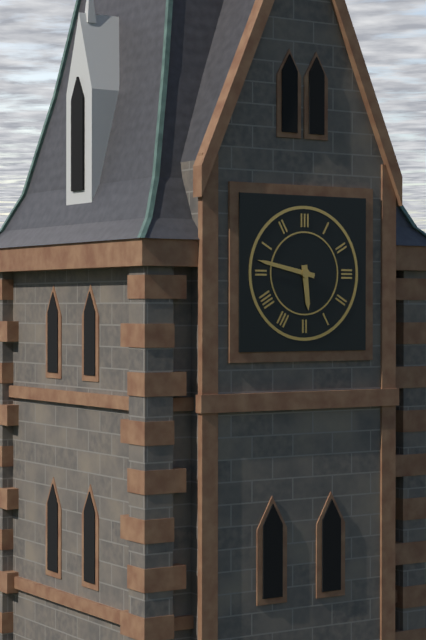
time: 5:47
